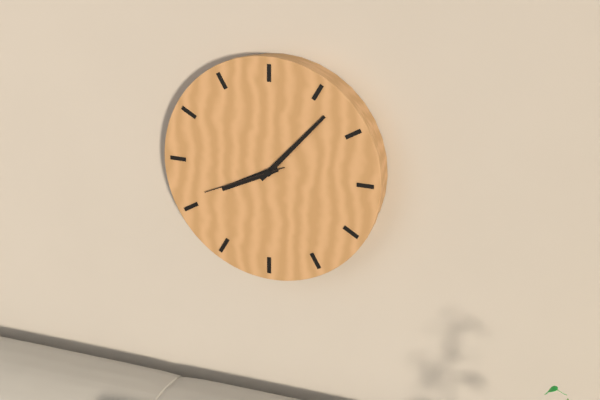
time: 8:07:41
